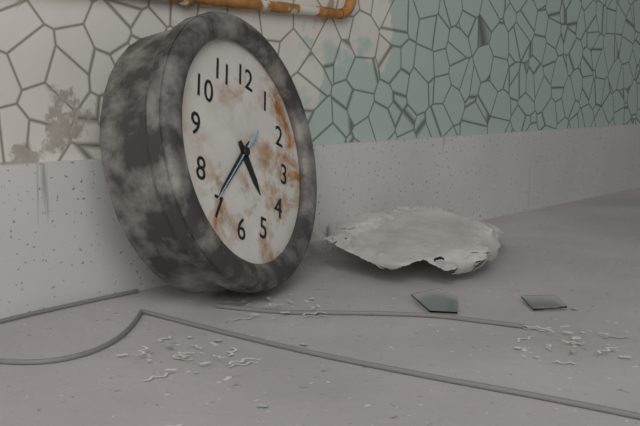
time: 4:36:36
